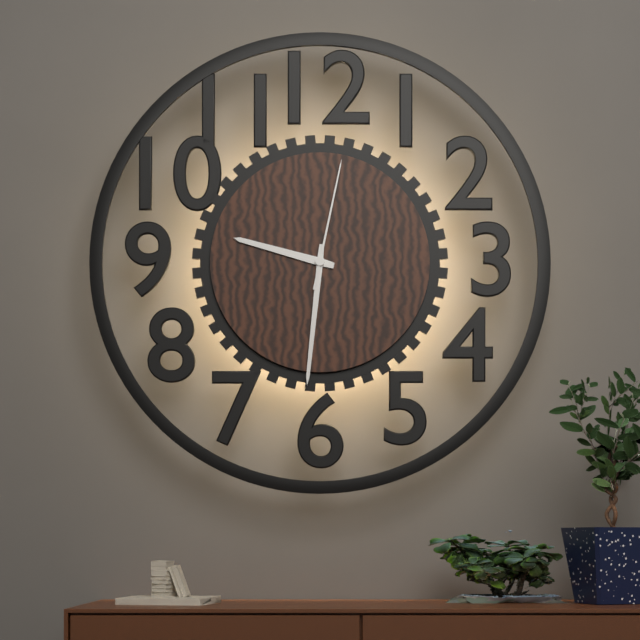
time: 9:31:02
